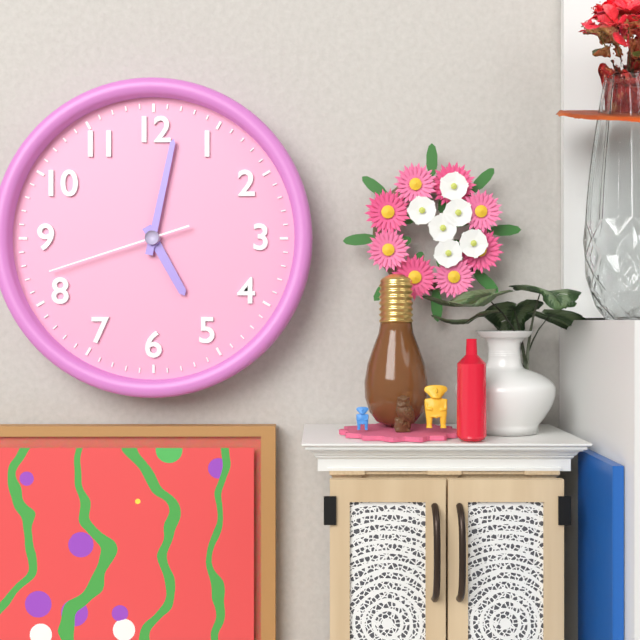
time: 5:02:42
